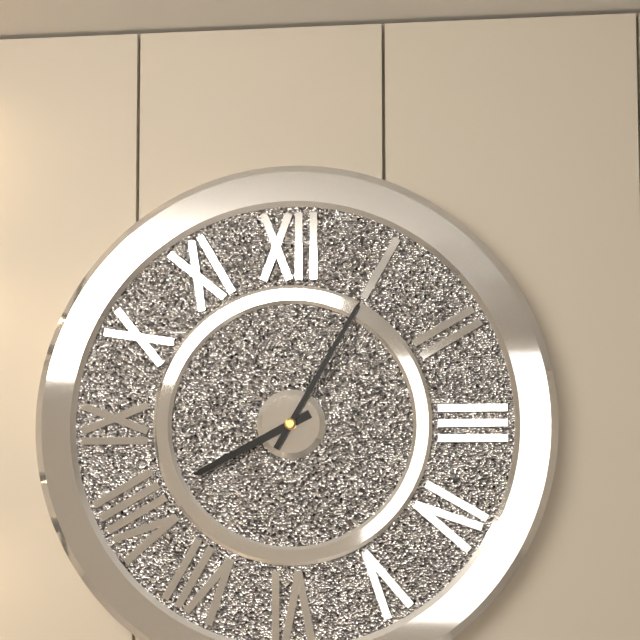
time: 8:05
